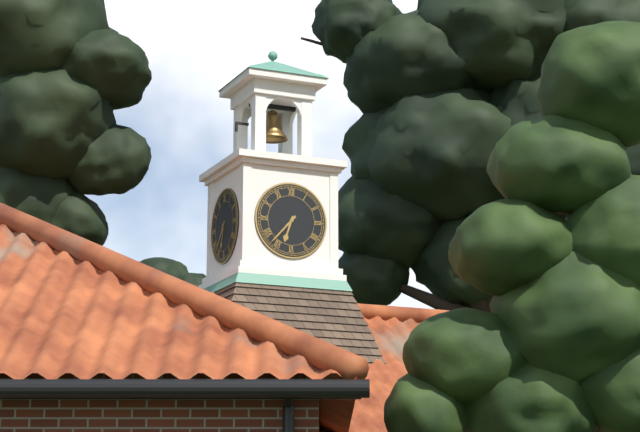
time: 6:37
